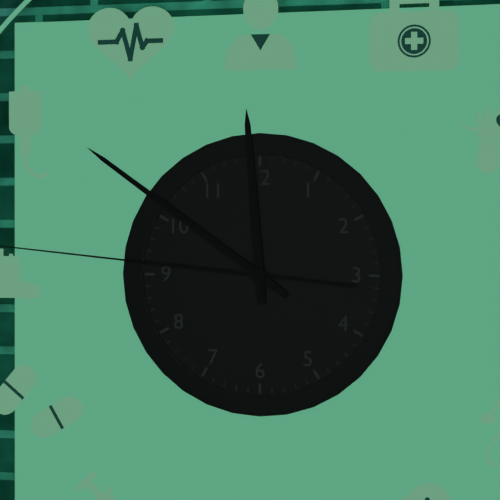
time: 11:51
